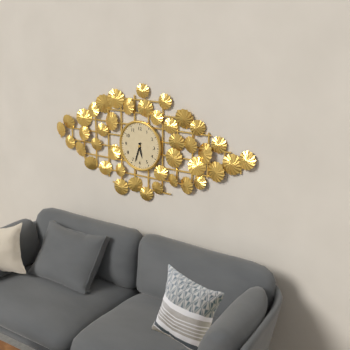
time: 5:33
